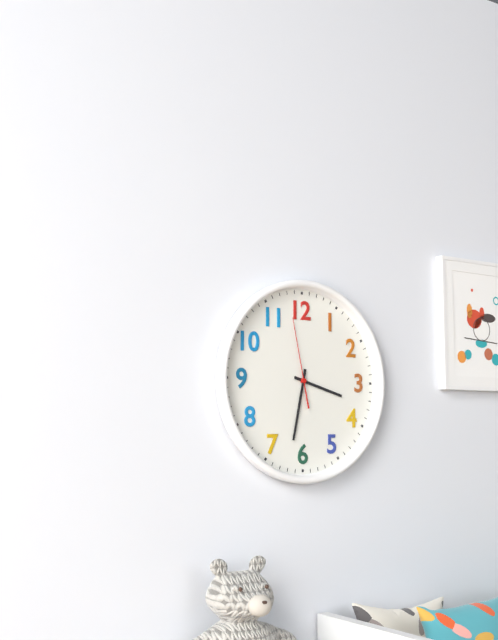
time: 3:32:58
